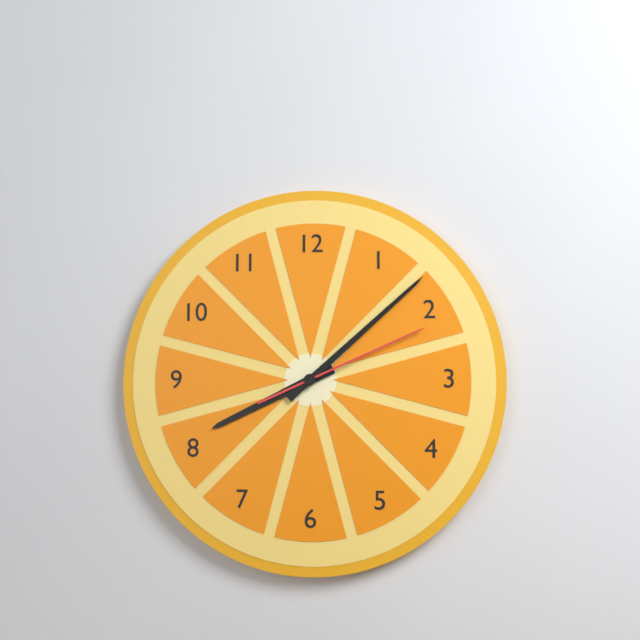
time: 8:08:11
